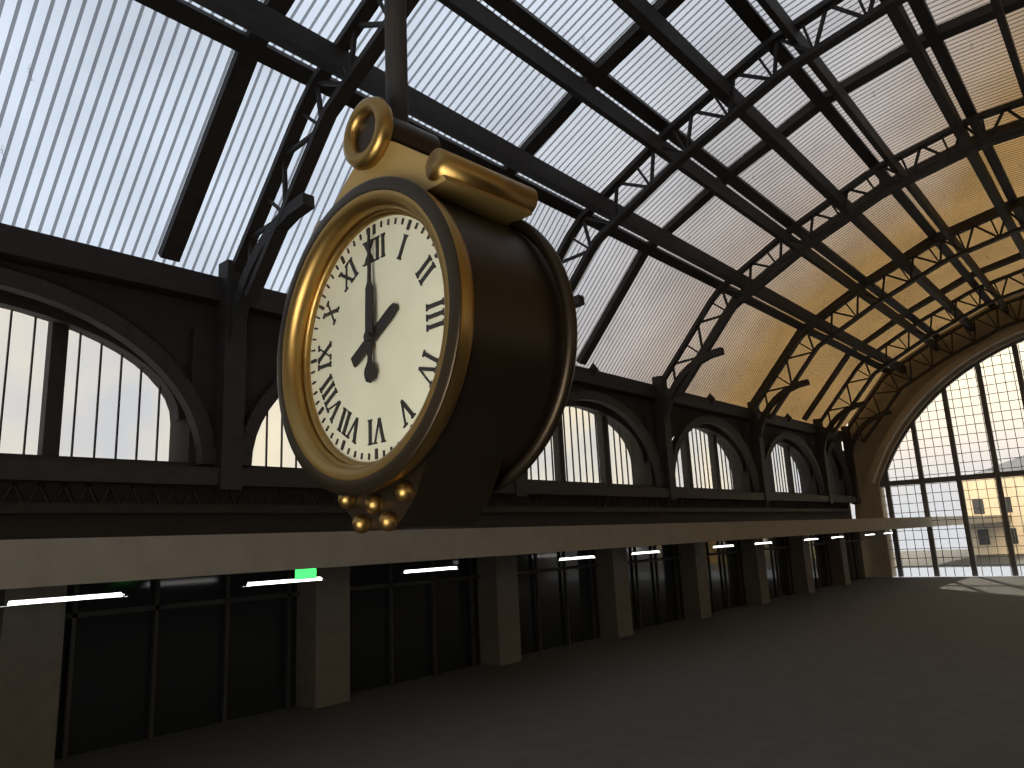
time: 2:00
